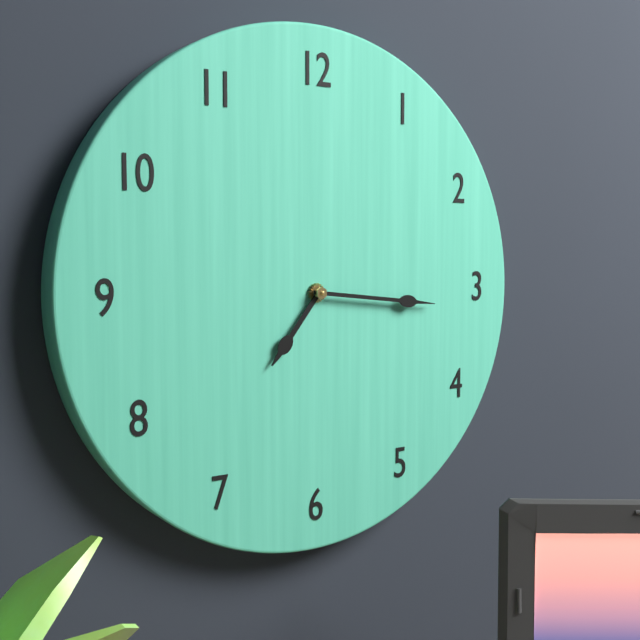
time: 7:16
